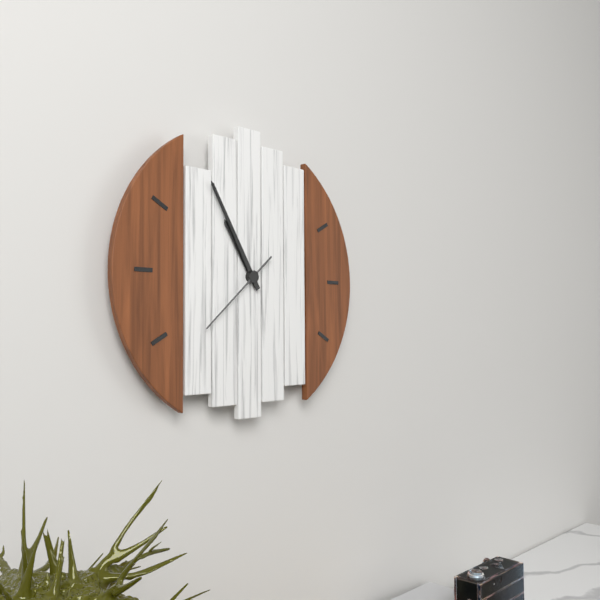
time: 10:55:38
